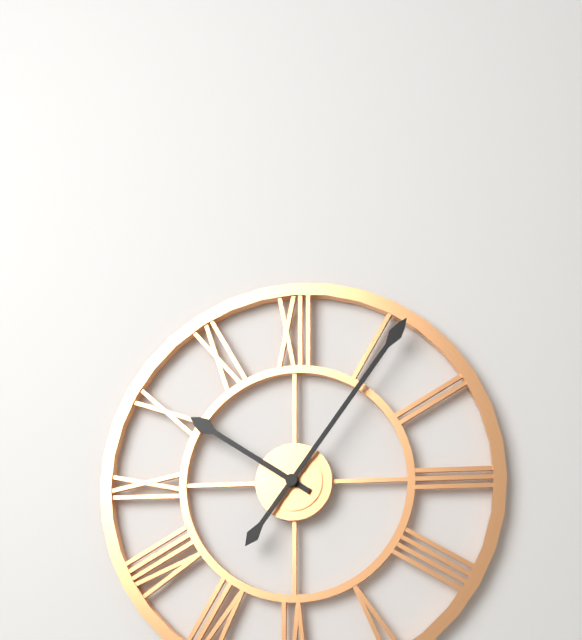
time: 10:06
